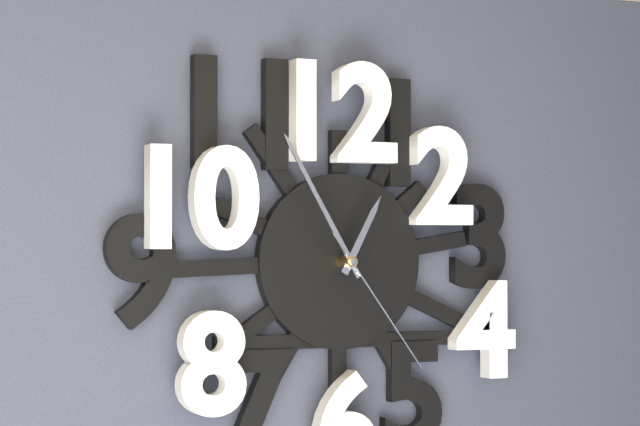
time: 12:55:24
